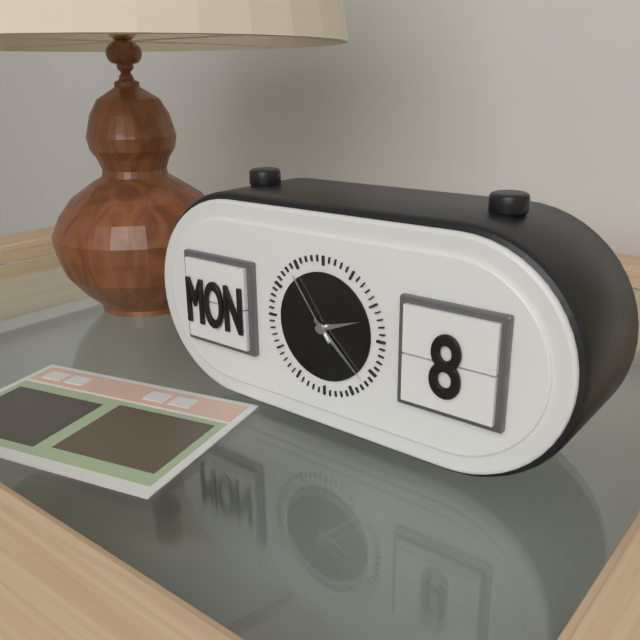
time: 2:22:54
